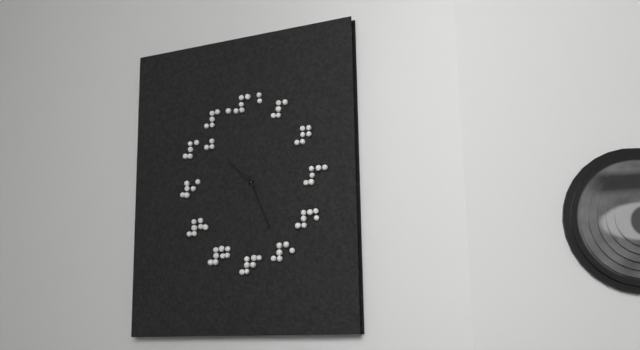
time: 10:26
